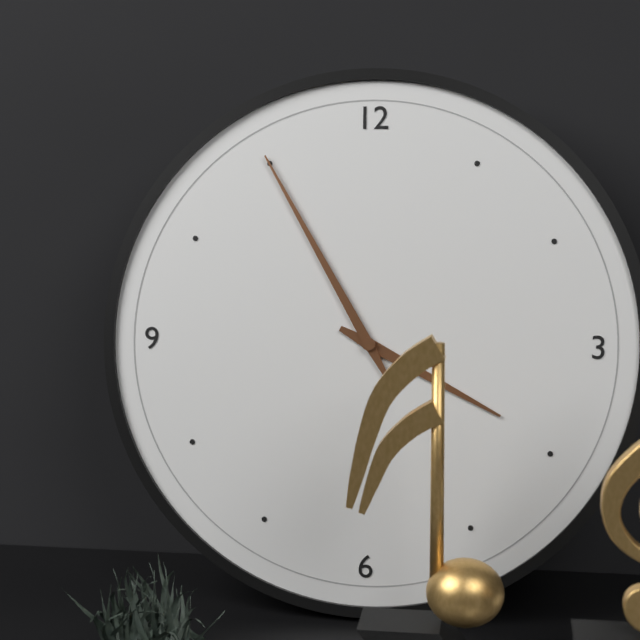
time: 3:55
